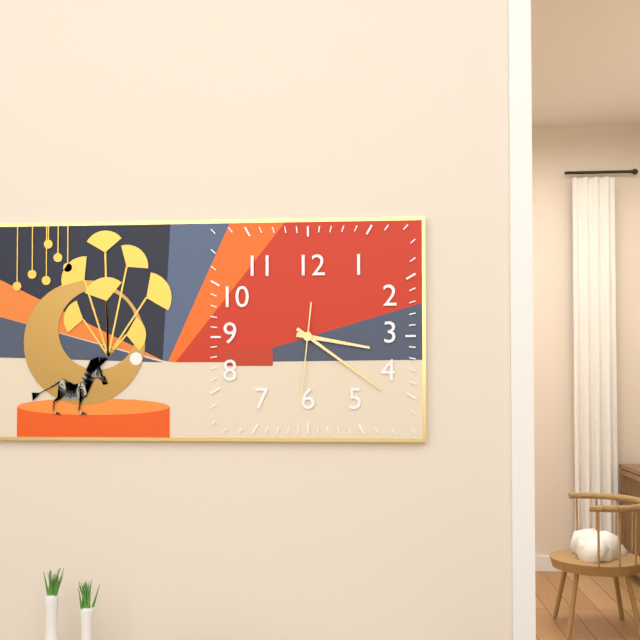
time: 3:21:31
